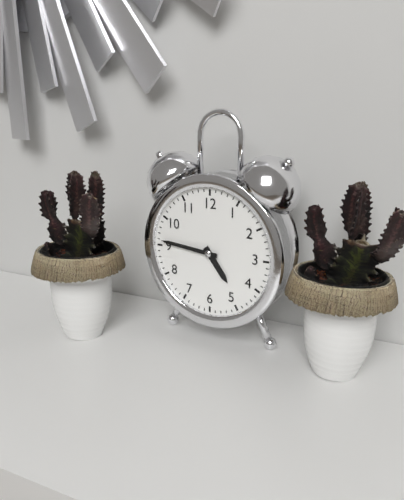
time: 4:46
